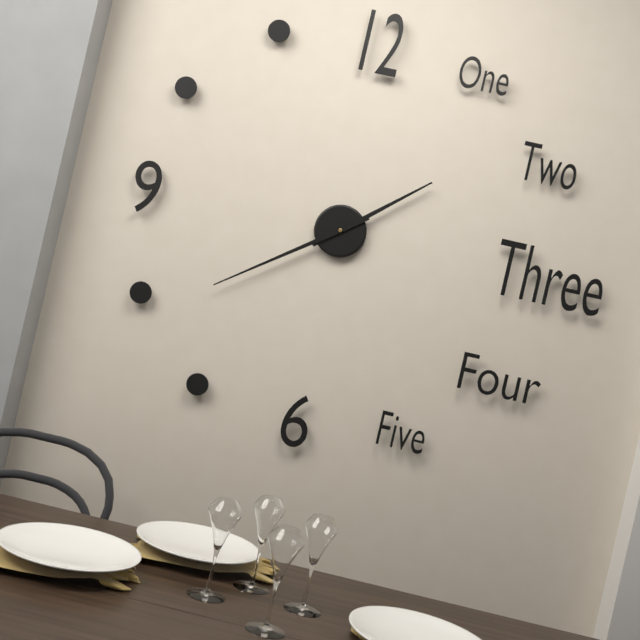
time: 1:39
